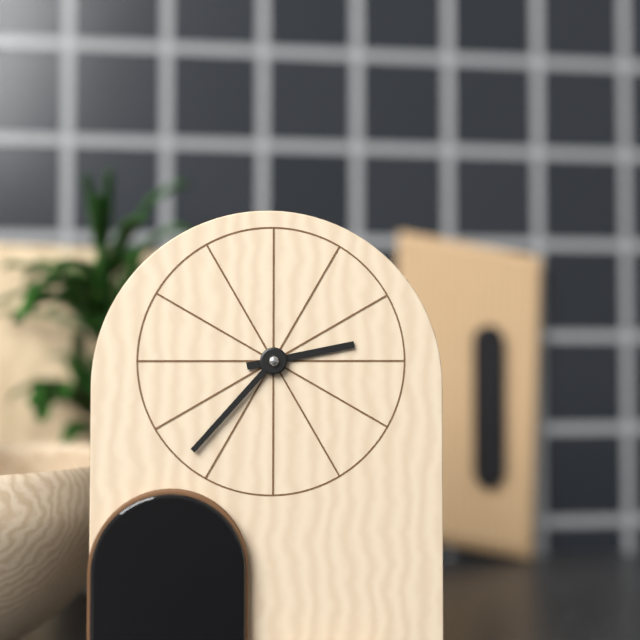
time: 2:37
